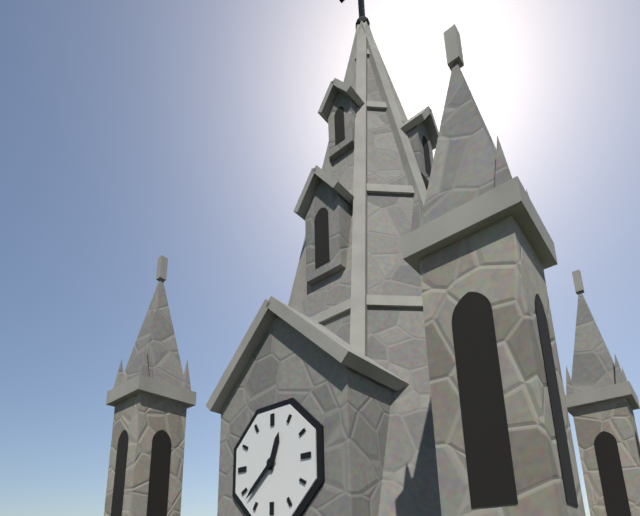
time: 12:38
